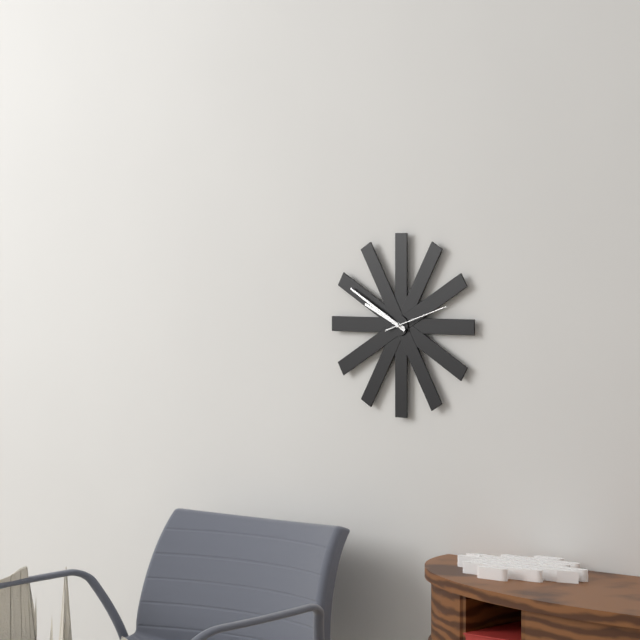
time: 9:50:12
